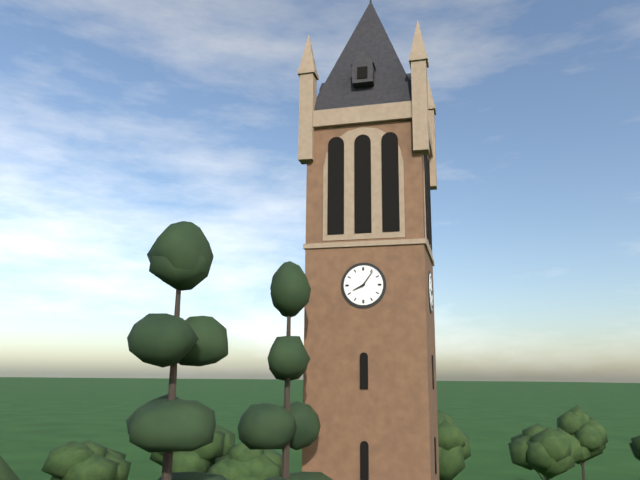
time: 8:06
